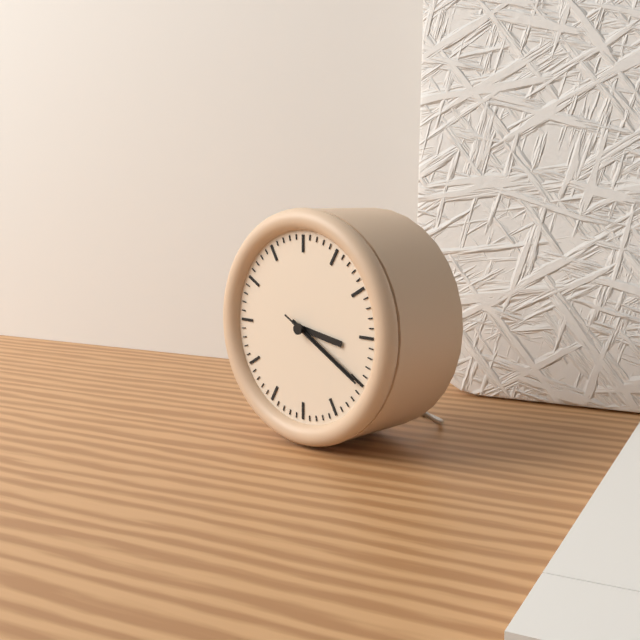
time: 3:20:20
